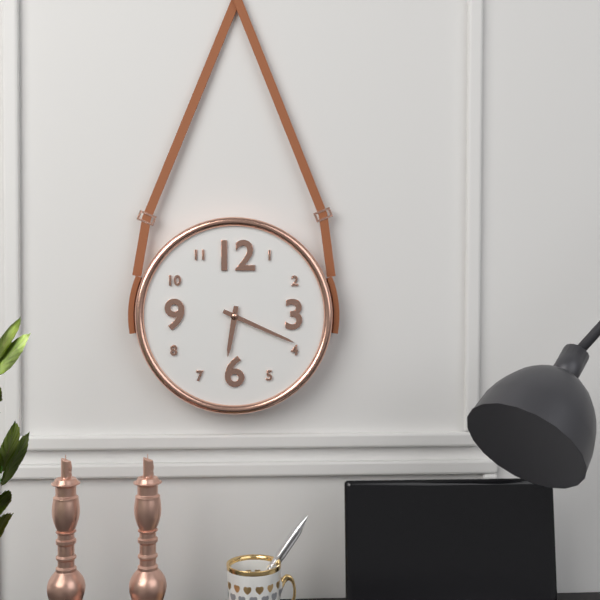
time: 6:19
